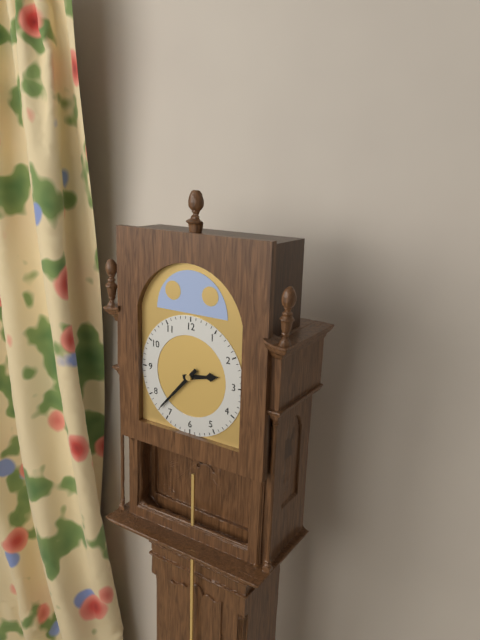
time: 2:37
